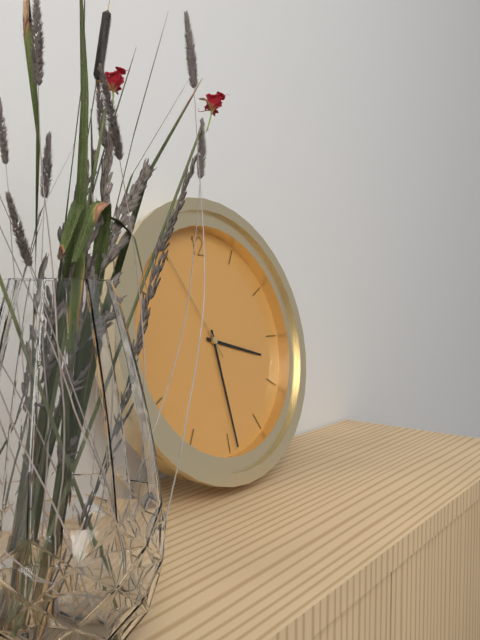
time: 3:29
